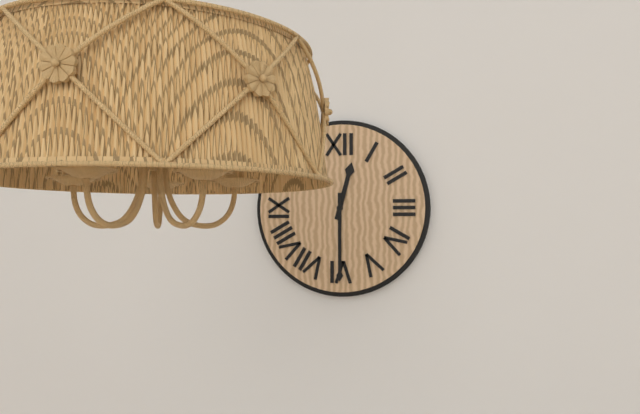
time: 12:30
